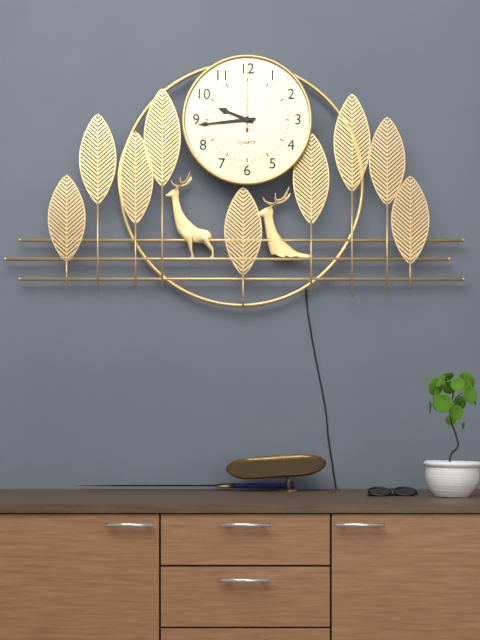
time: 9:44:00
